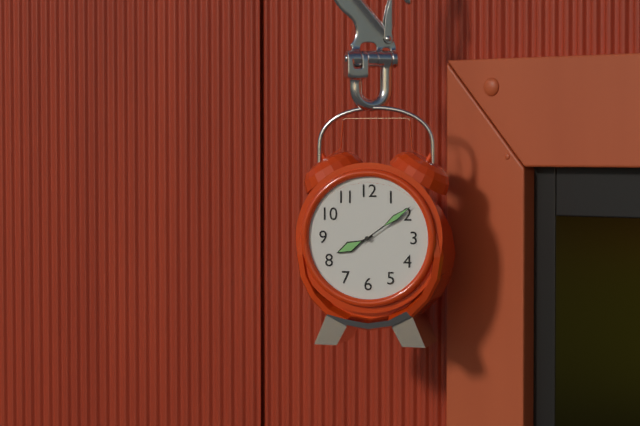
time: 8:09
